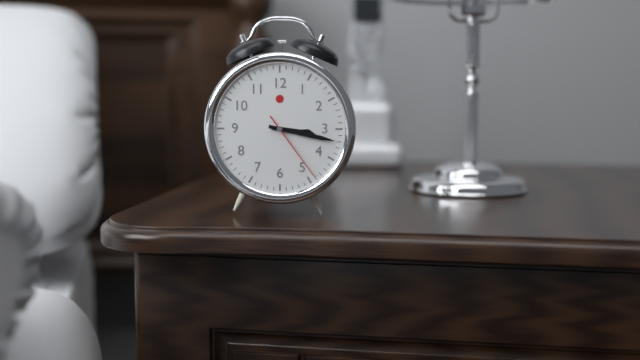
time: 3:17:24
